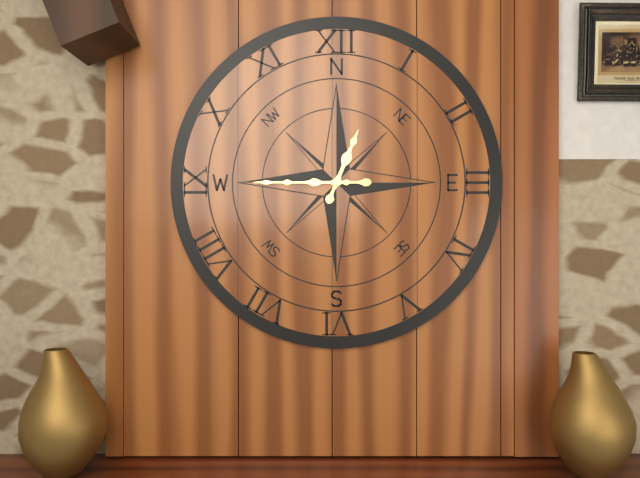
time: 12:45
